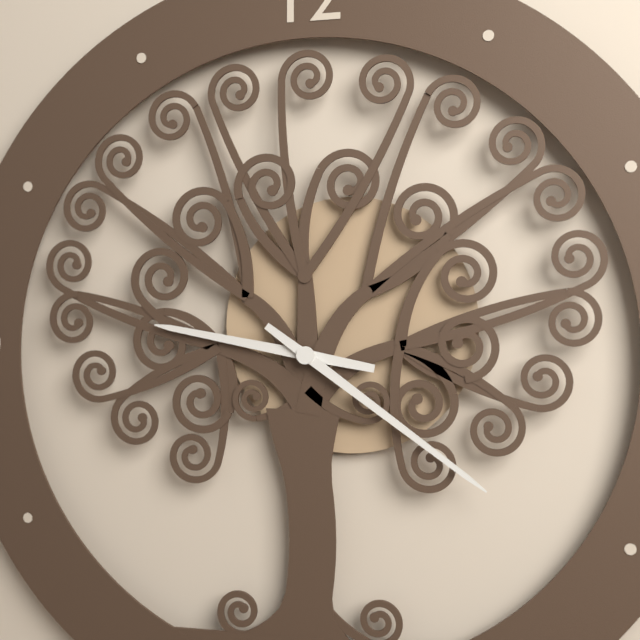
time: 9:21
